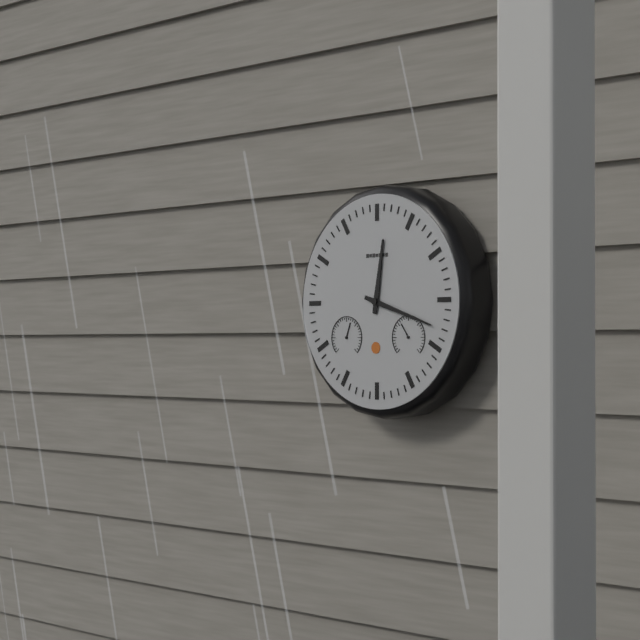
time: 12:18
